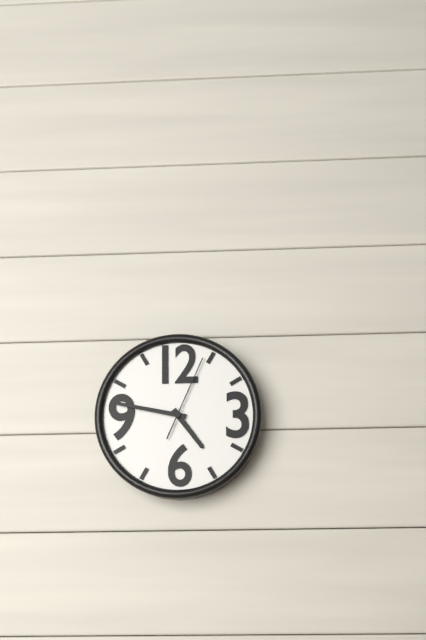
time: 4:47:04
